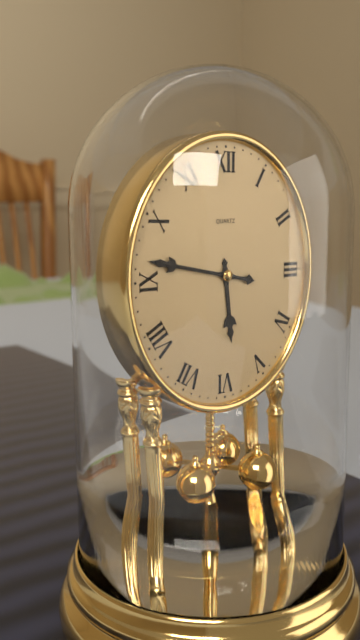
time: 5:47
